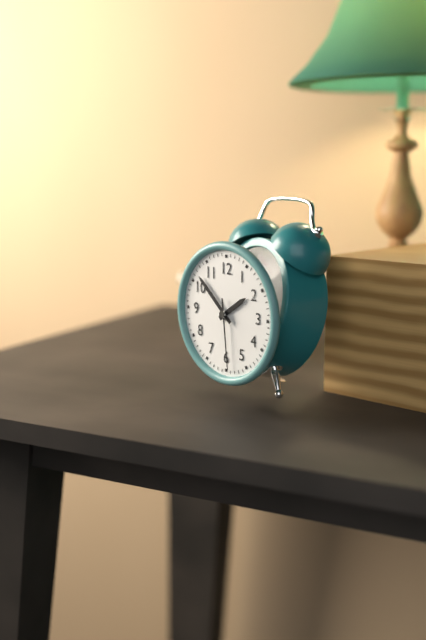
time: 1:52:29
